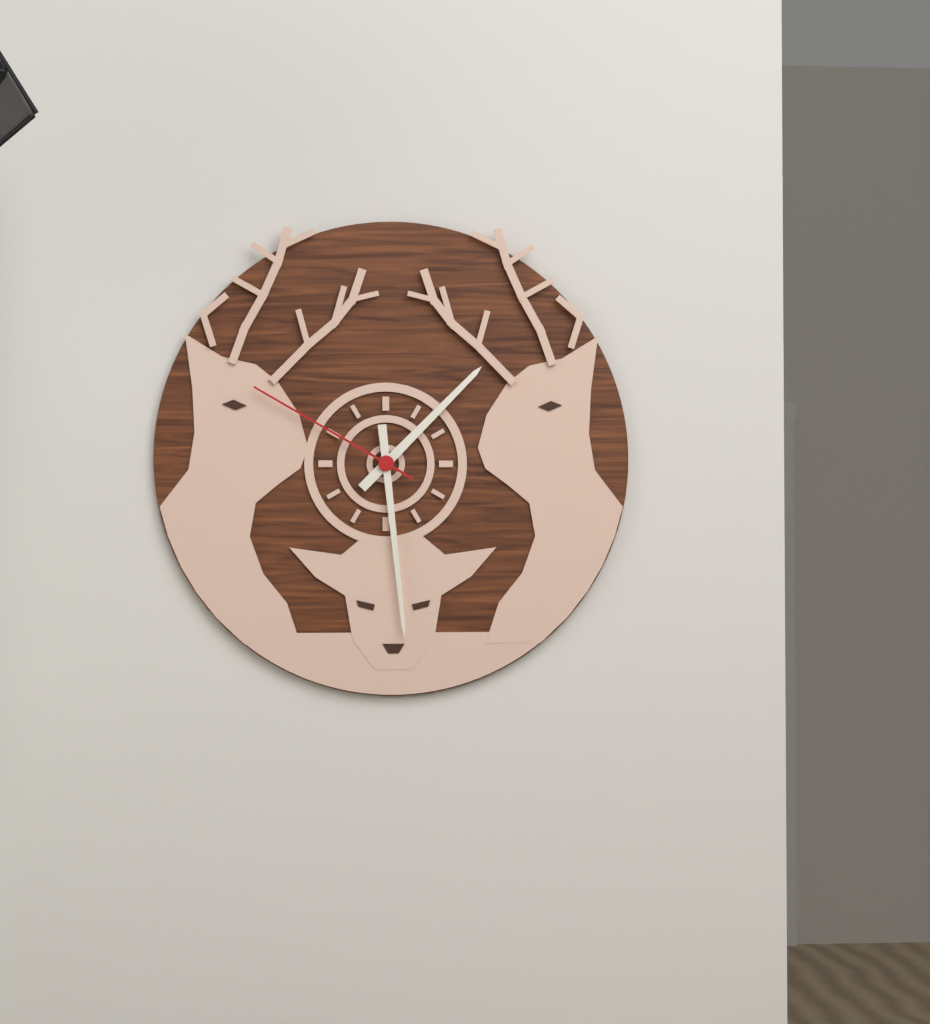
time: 1:29:50
